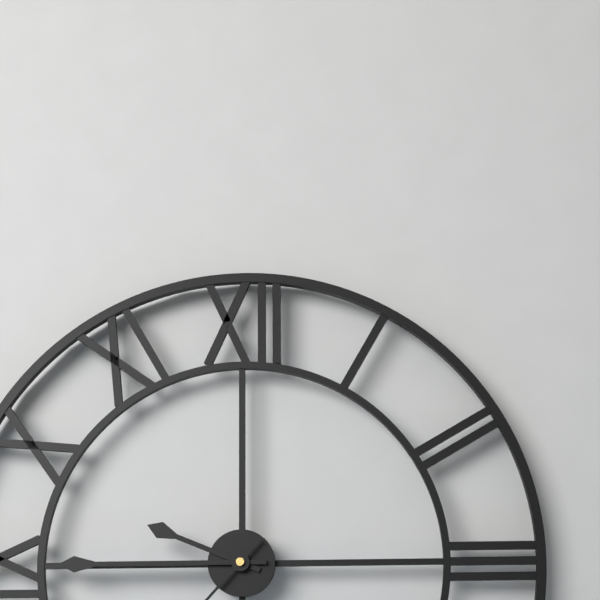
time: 9:45
